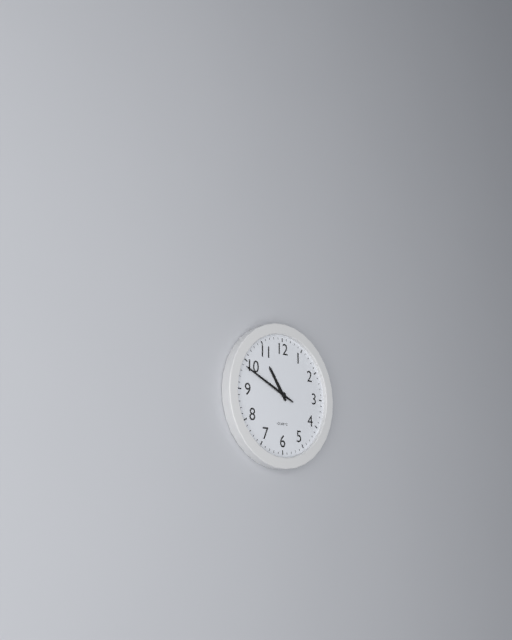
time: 10:49
